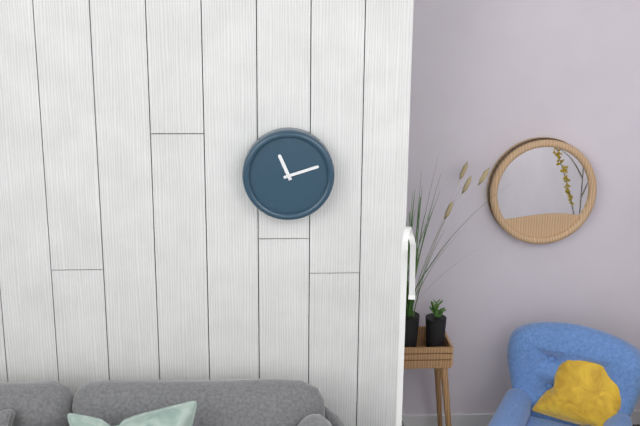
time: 11:12
